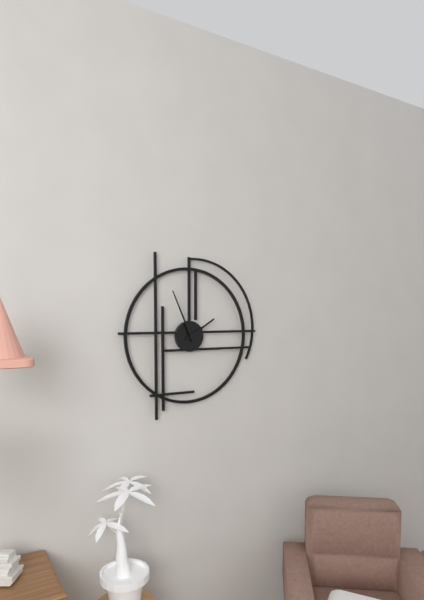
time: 1:56
